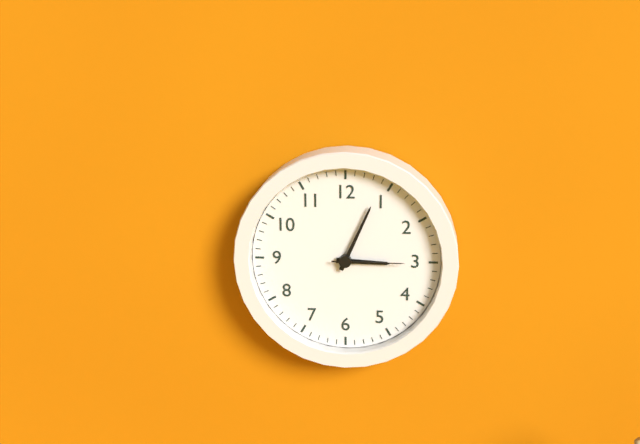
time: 3:04:15
